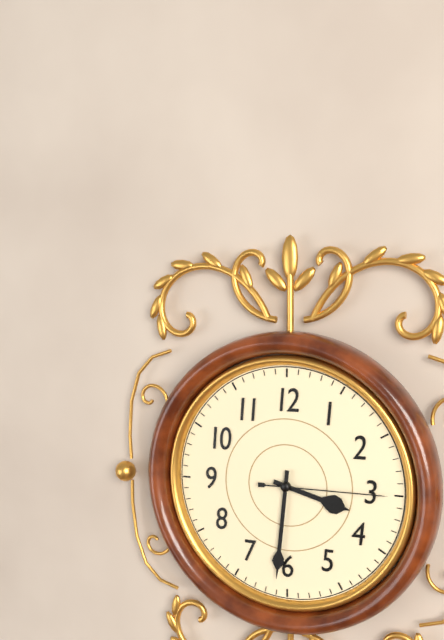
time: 3:31:15
